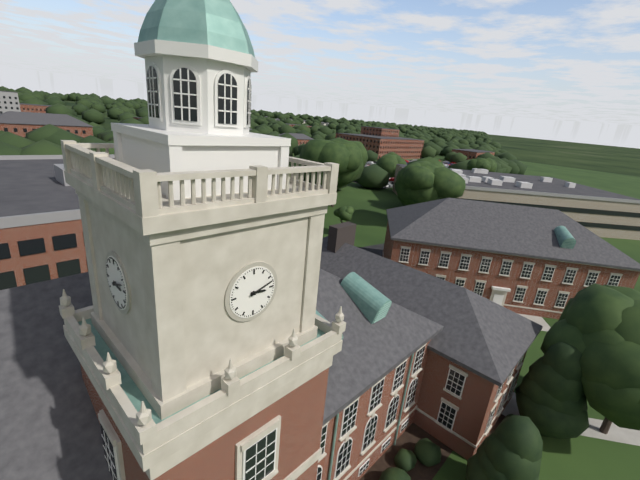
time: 3:12
